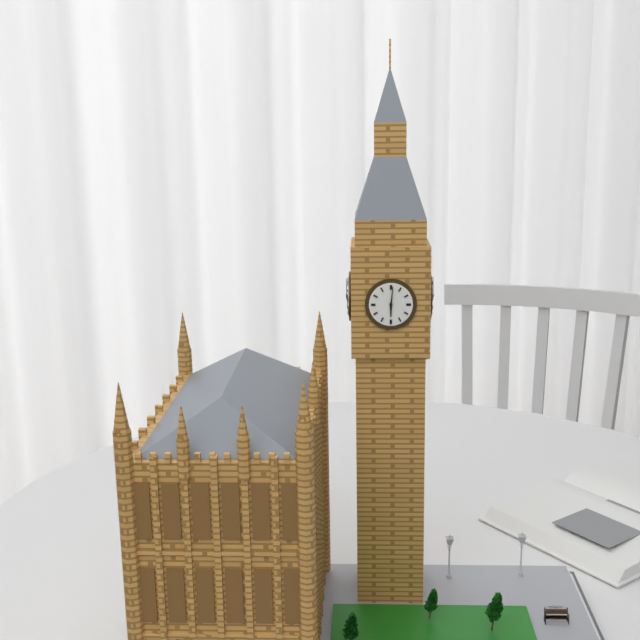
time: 6:01
